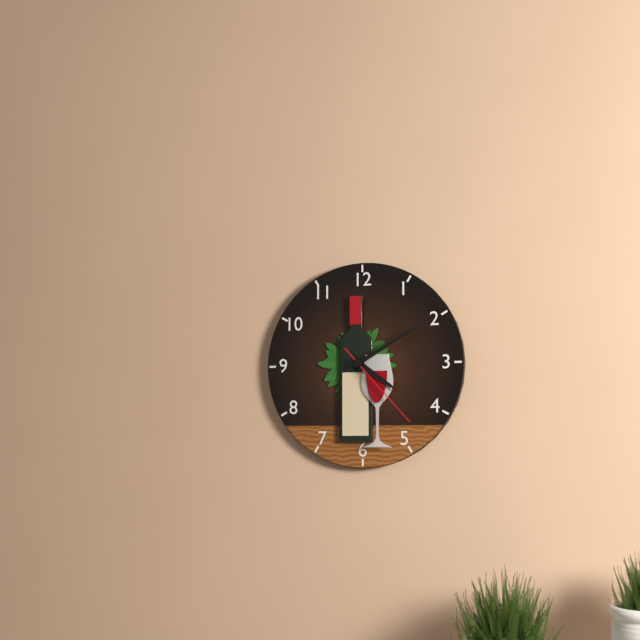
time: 4:10:23
